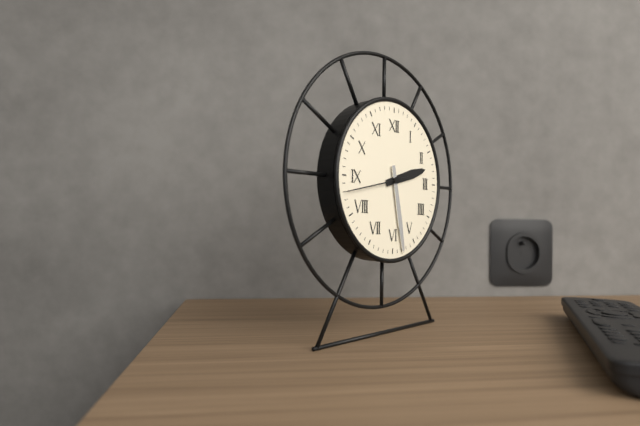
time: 2:28:43
